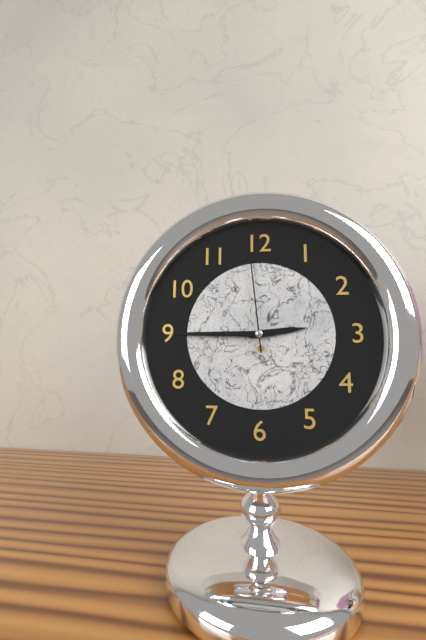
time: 2:45:59
